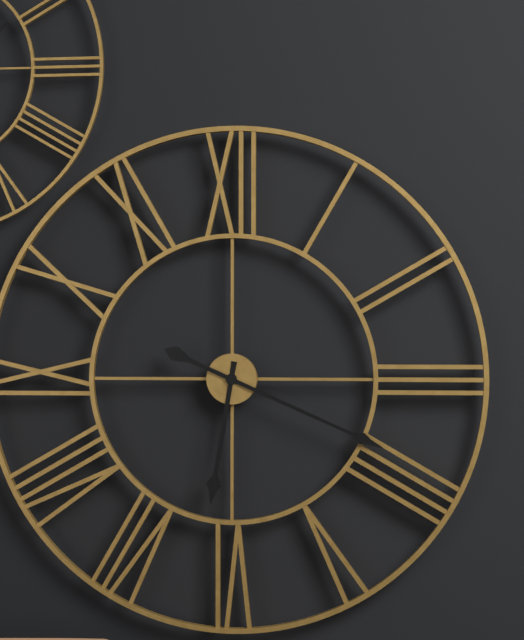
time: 6:19
